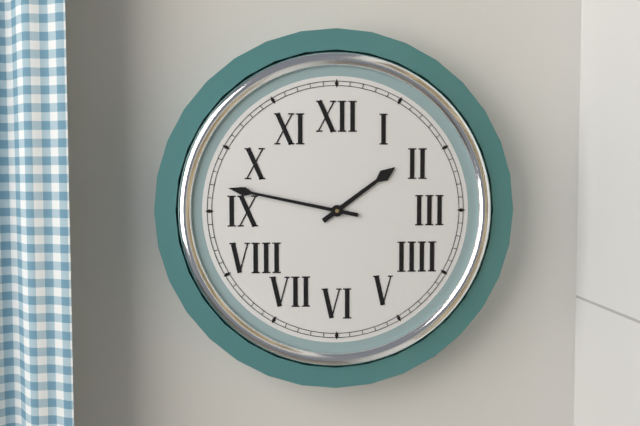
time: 1:47
